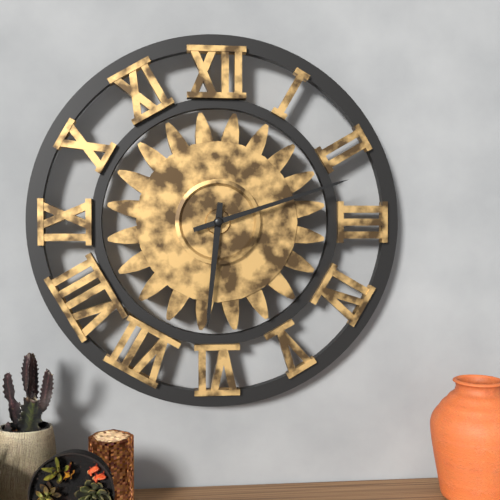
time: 6:12
